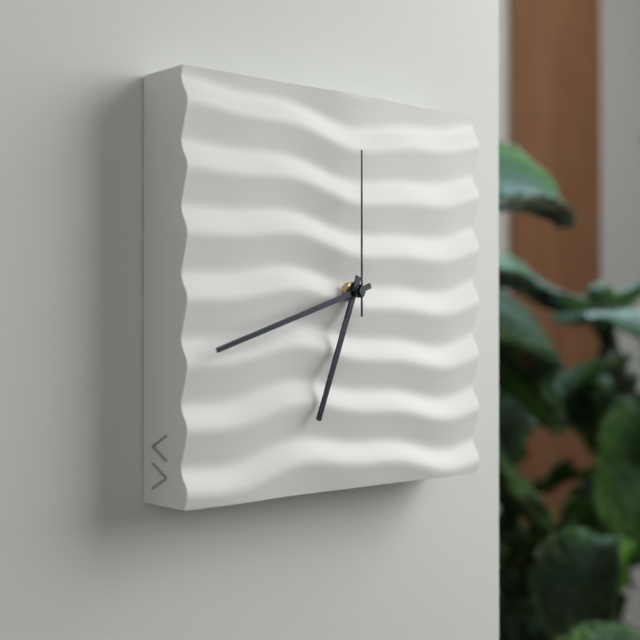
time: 6:42:00
